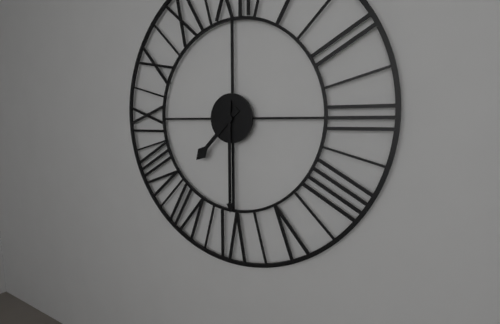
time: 7:30
